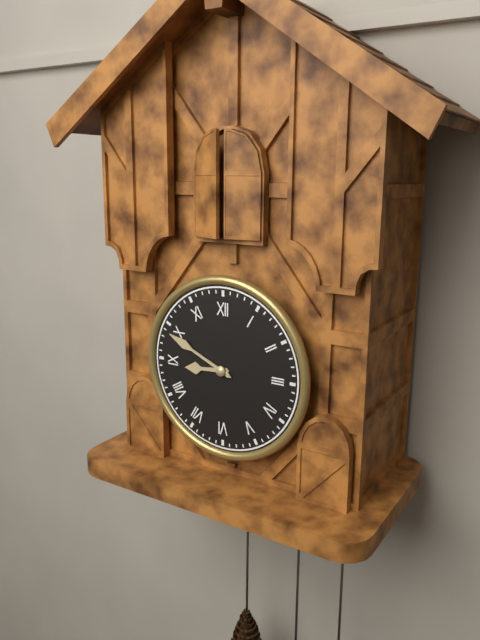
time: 8:49
